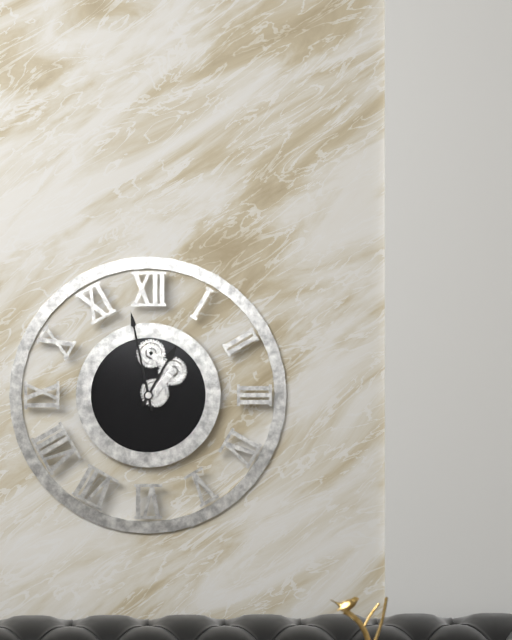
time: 12:58
